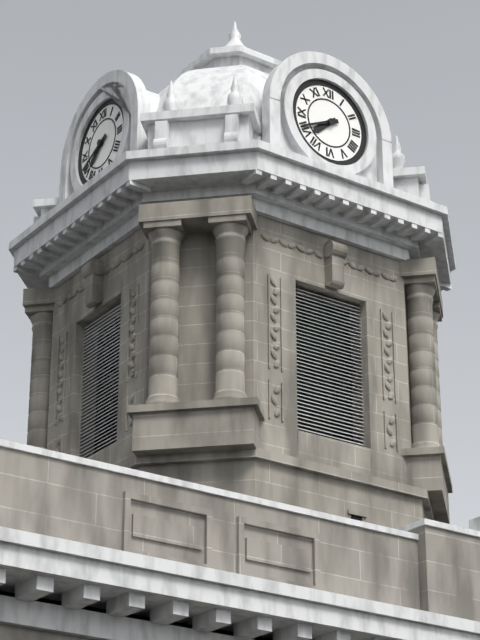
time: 7:41
